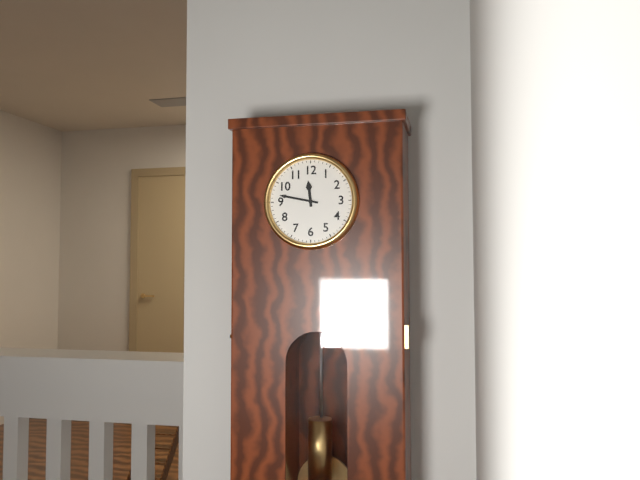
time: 11:47
